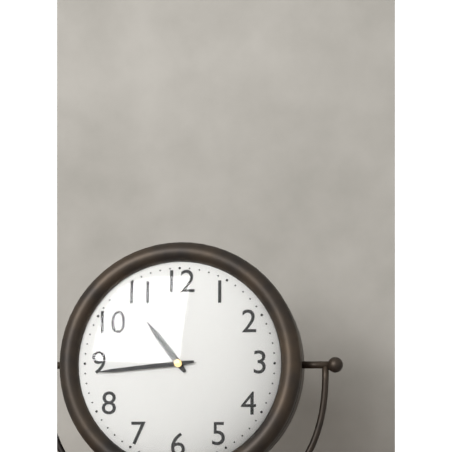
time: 10:44
